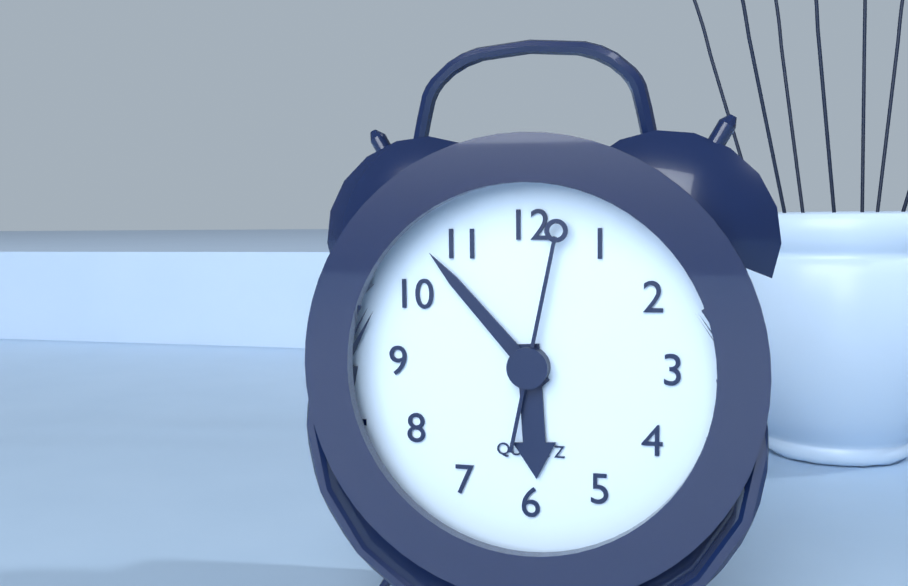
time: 5:53:02
